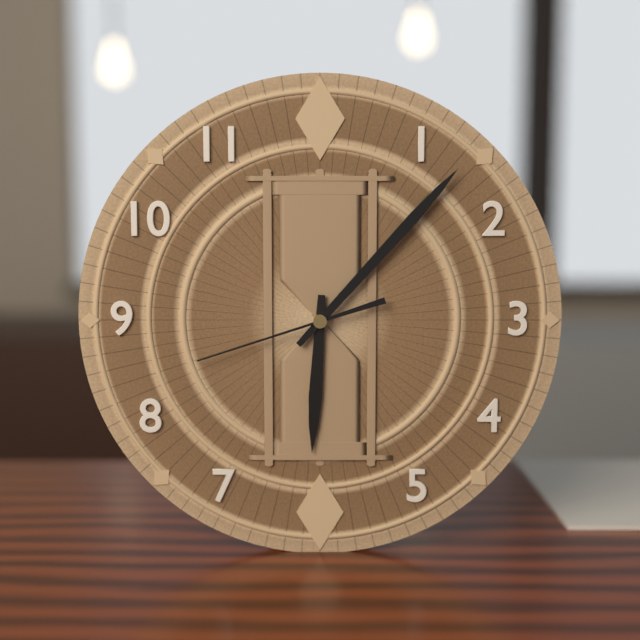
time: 6:07:42
